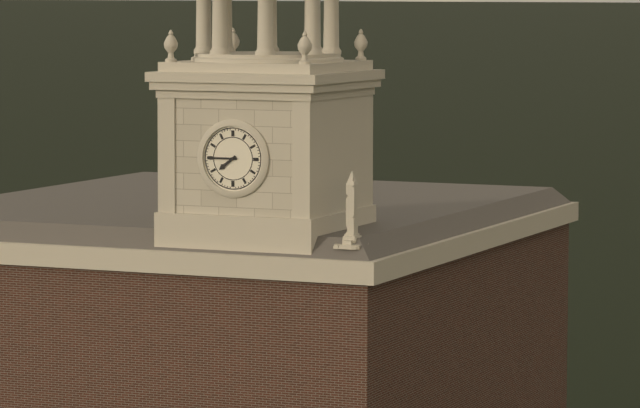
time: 7:45
